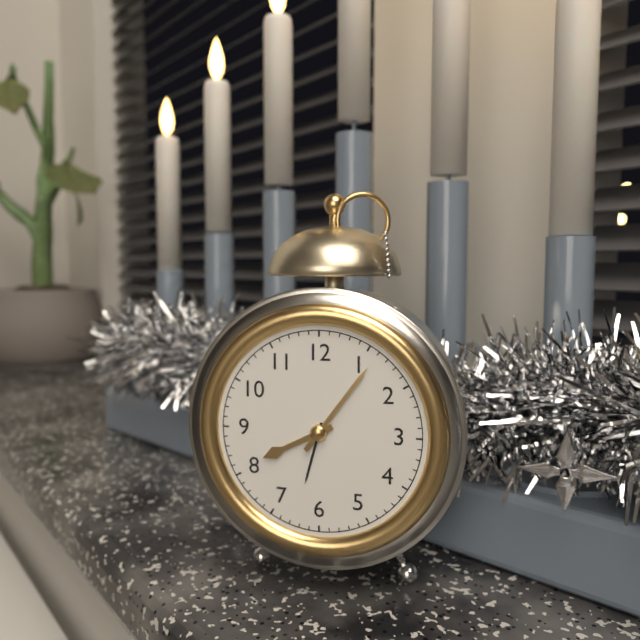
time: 8:06
